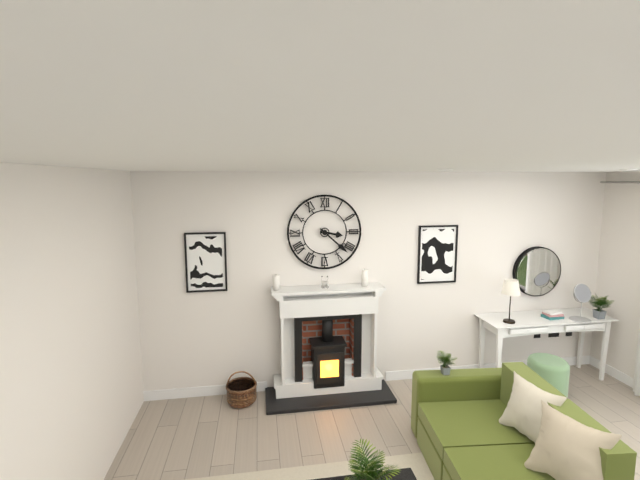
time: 3:22
